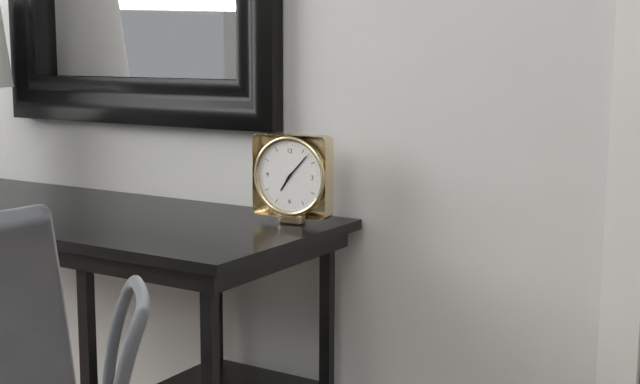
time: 7:07
